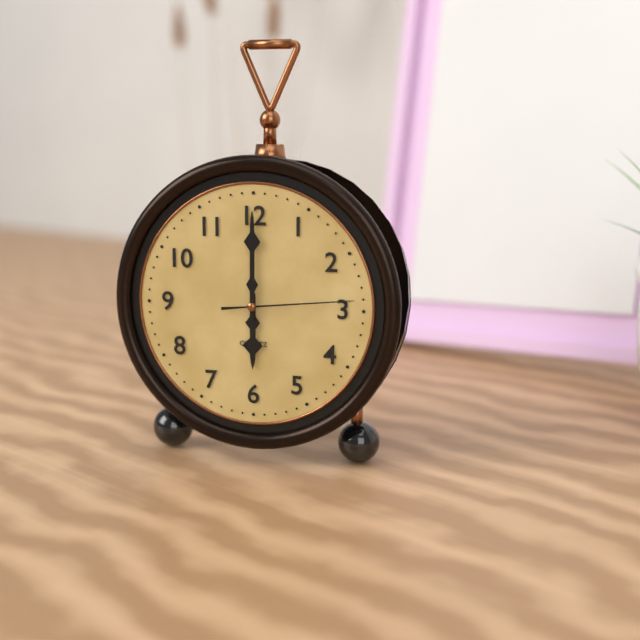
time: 6:00:14
